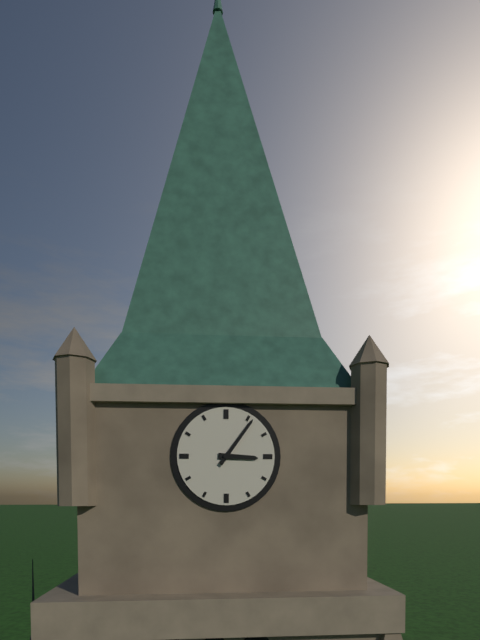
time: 3:06
